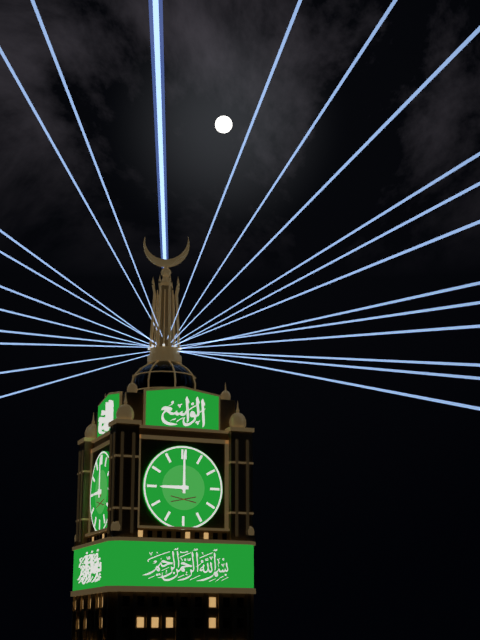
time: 9:00
